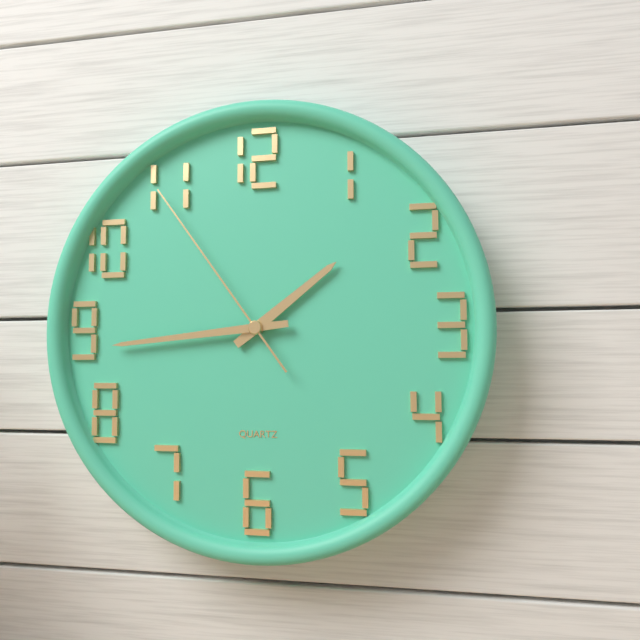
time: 1:44:54
